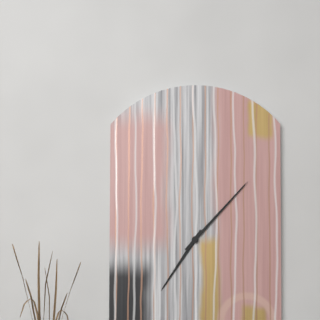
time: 7:07
